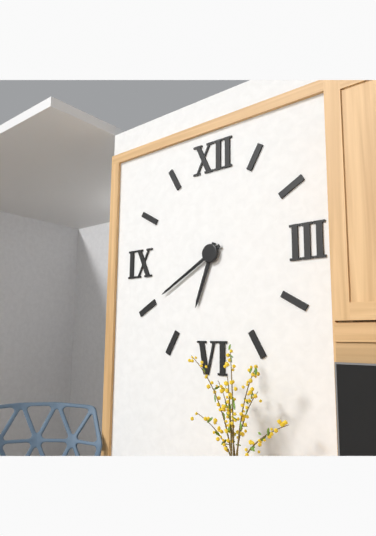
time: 6:40
